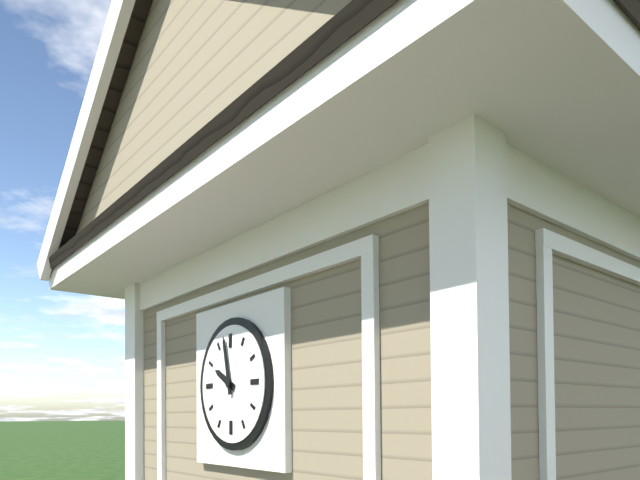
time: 9:58
